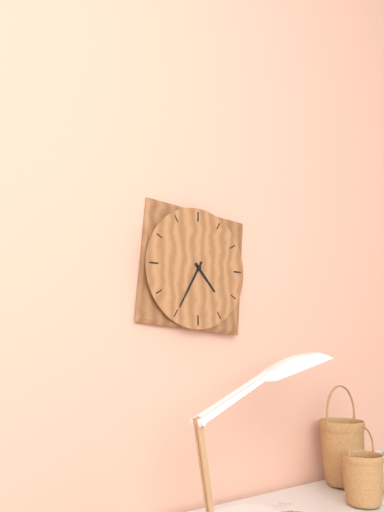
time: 4:35
